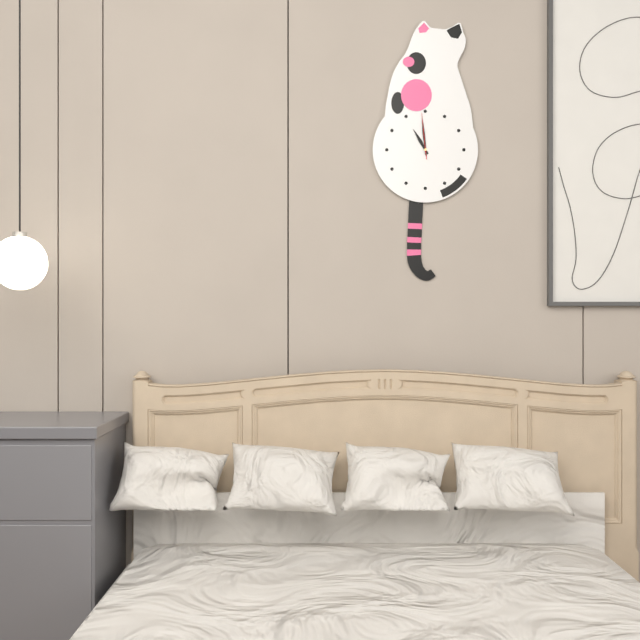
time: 10:59
